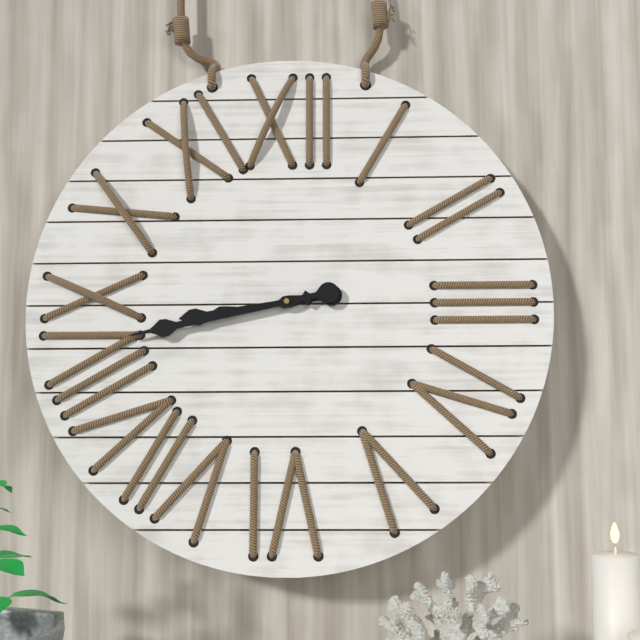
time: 8:43
